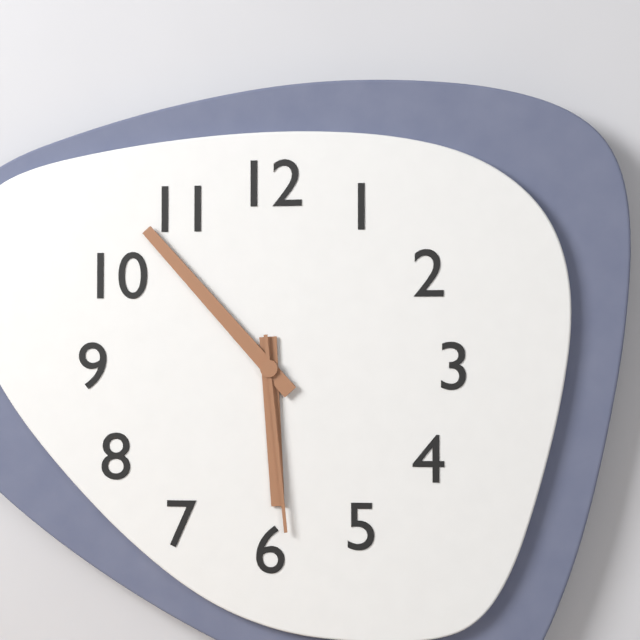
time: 5:53:29
